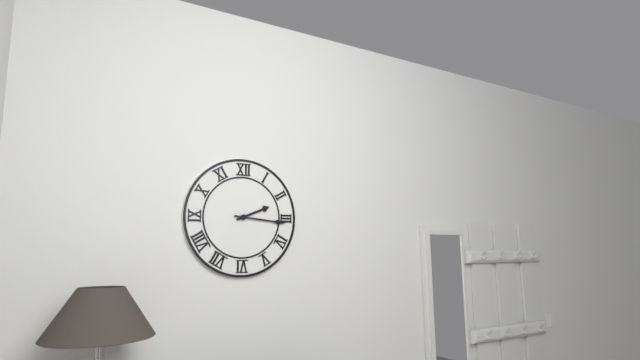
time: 2:16
